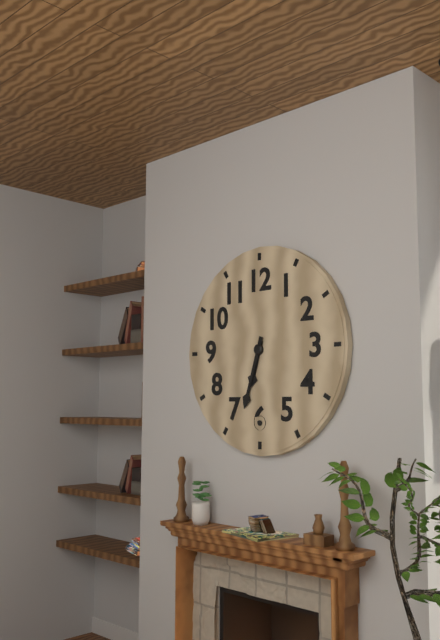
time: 6:33
